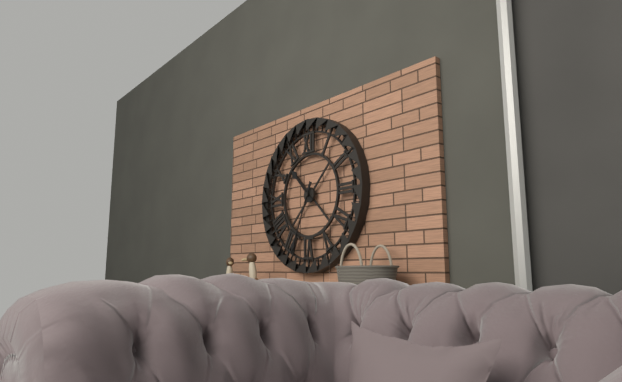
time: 10:34
